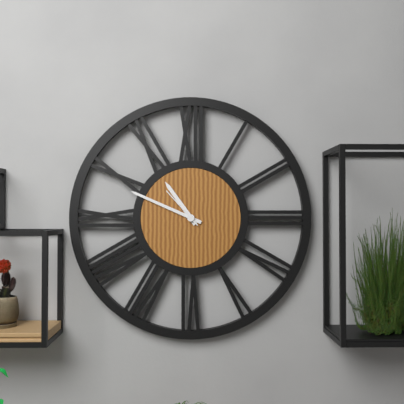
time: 10:49
